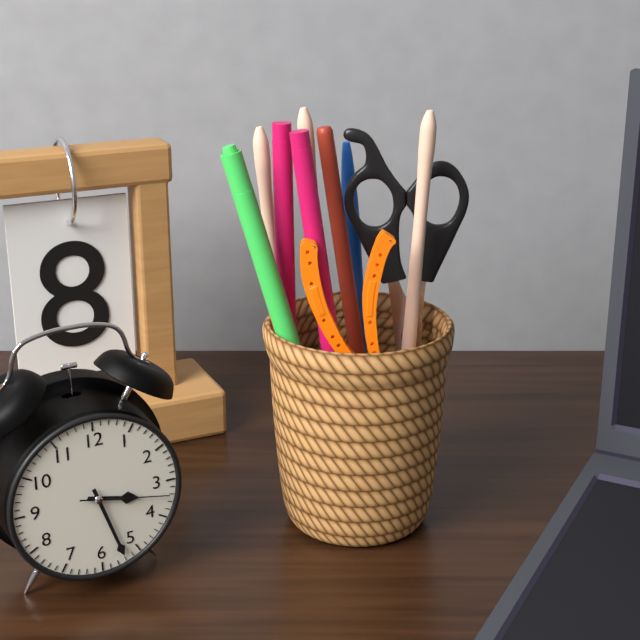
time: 3:27:17
